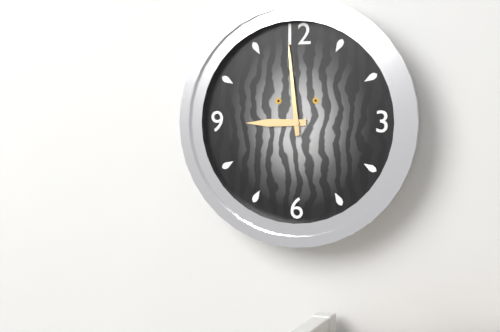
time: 8:59
